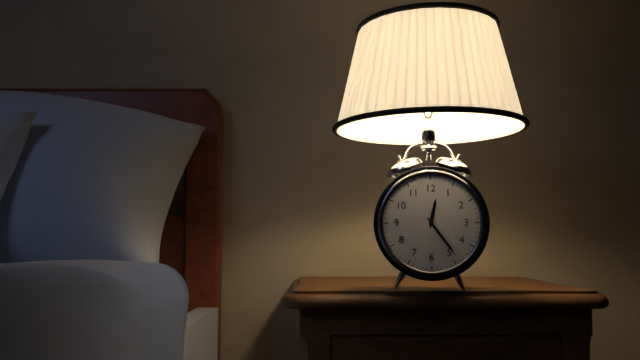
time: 12:24
